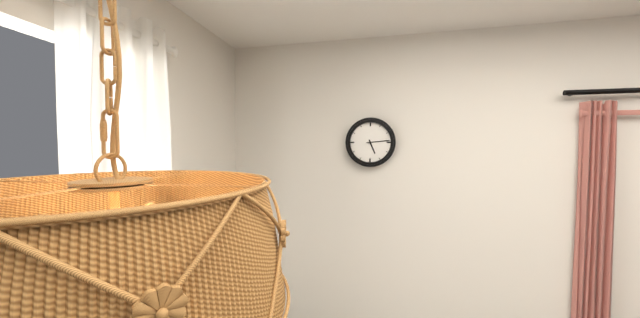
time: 5:14
